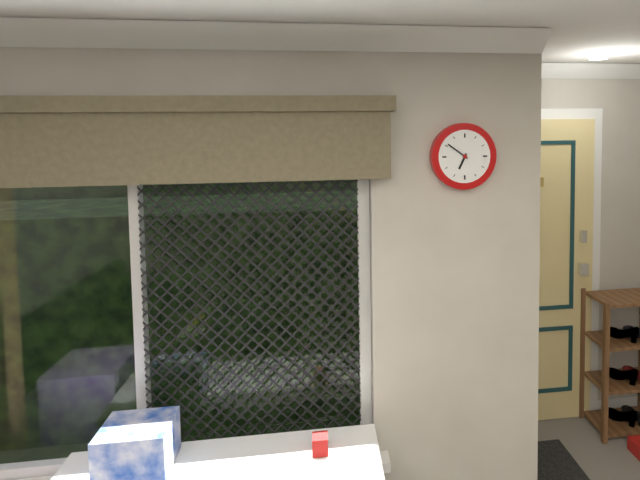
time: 6:51
